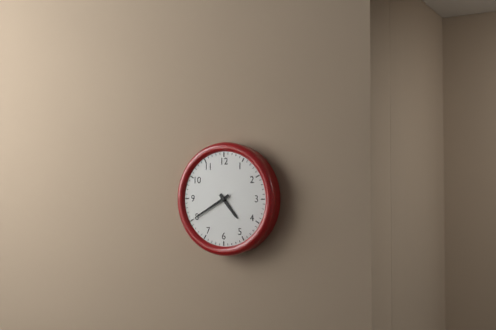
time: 4:40
